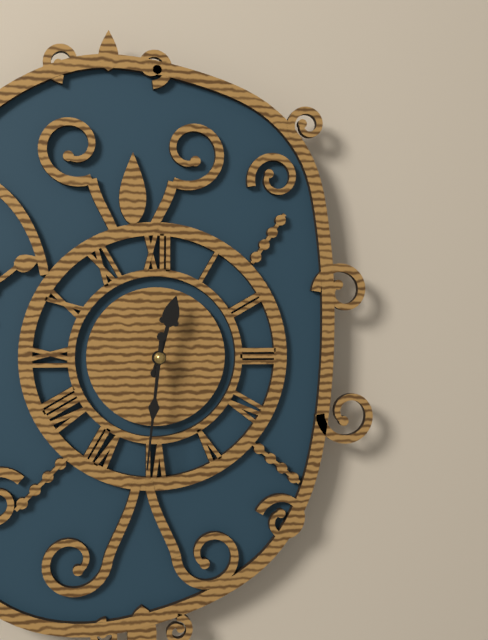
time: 12:31
